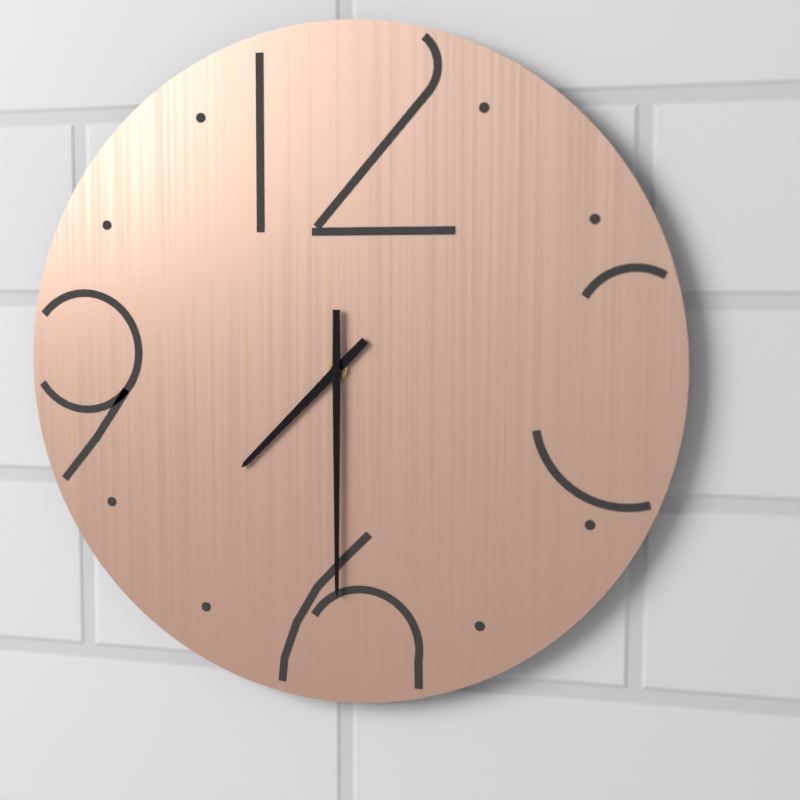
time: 7:30
